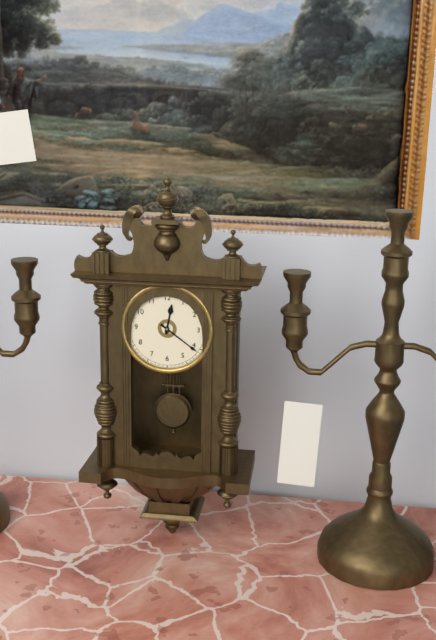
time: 12:21
